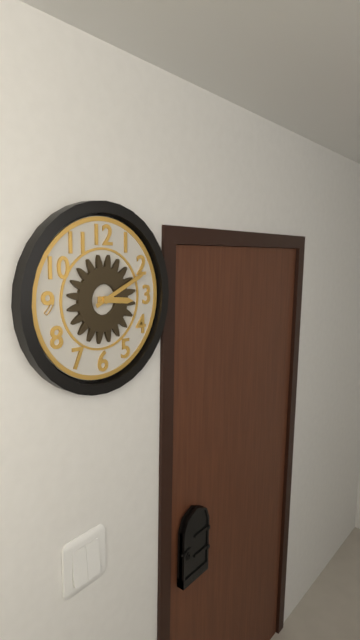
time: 3:11
